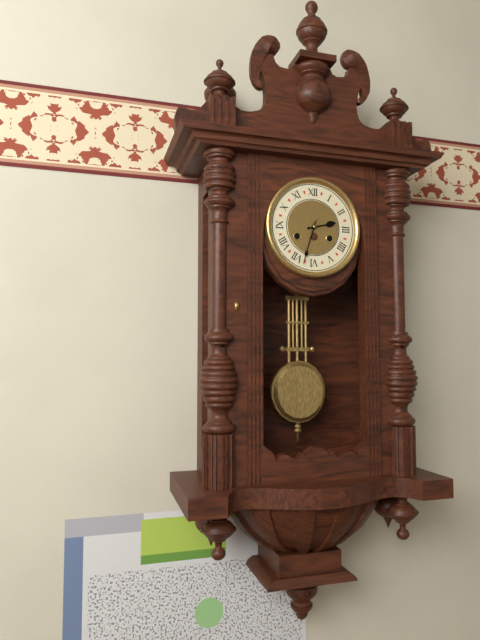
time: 2:33
